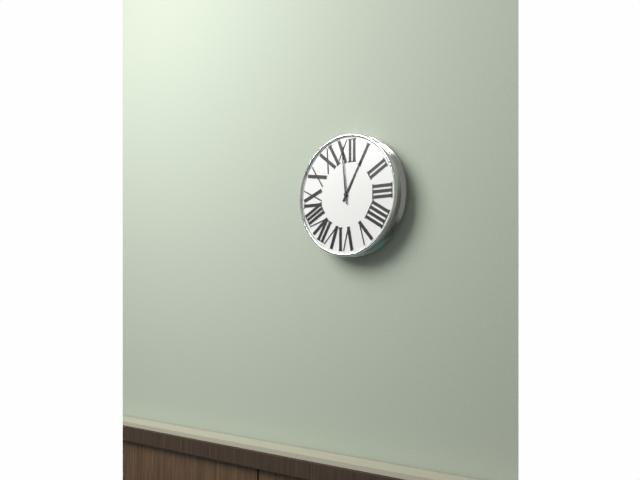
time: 12:59
